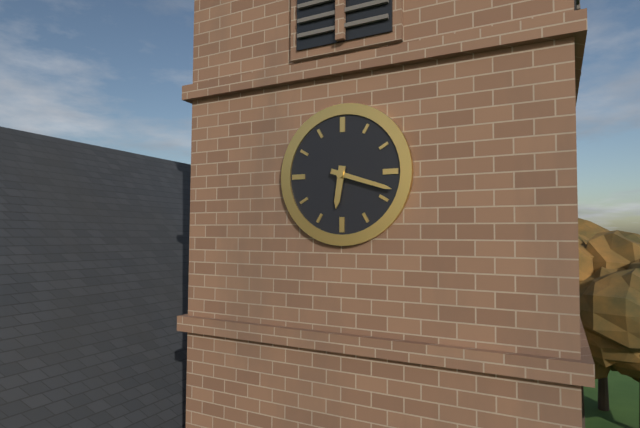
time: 6:18
